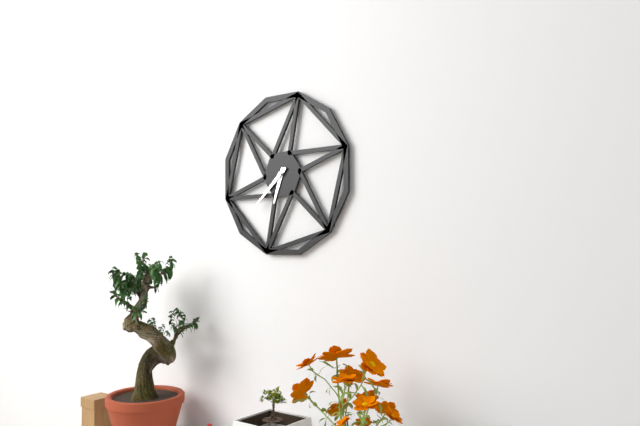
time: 6:38
